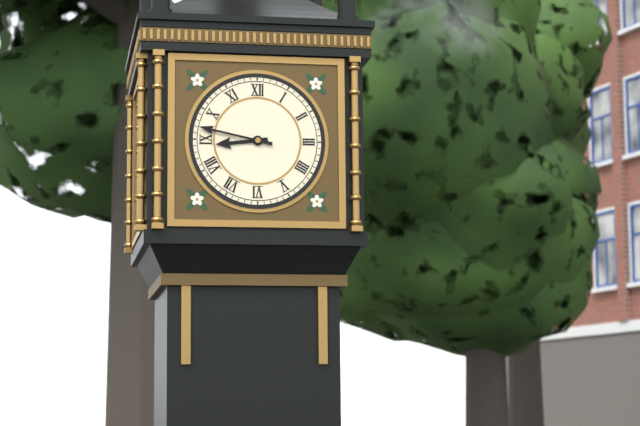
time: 8:47
